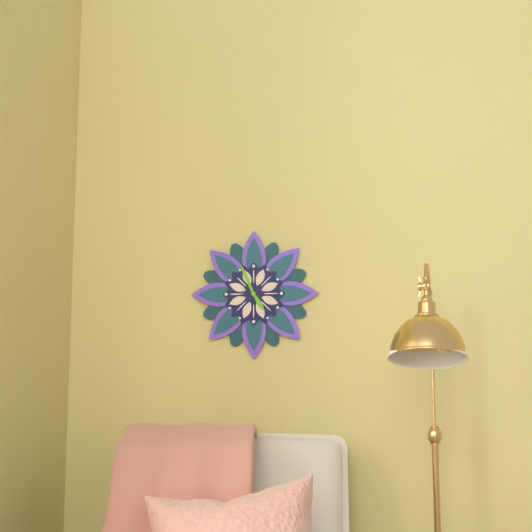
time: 4:56
